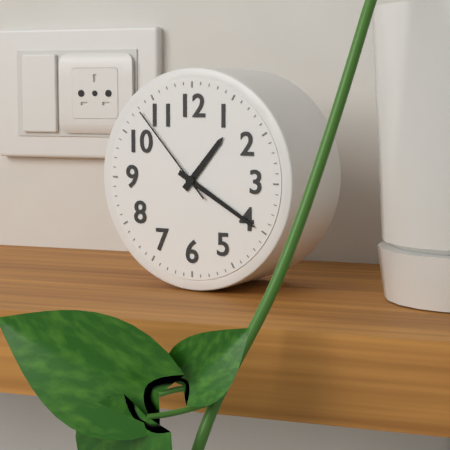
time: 1:20:53
